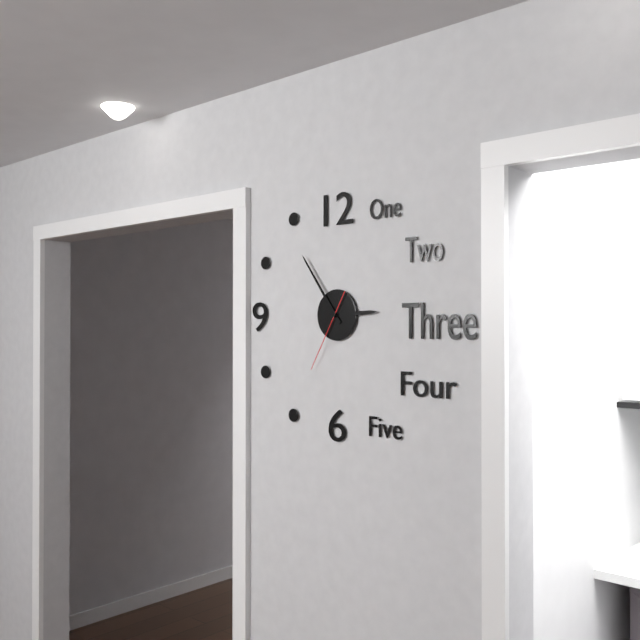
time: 2:54:35
